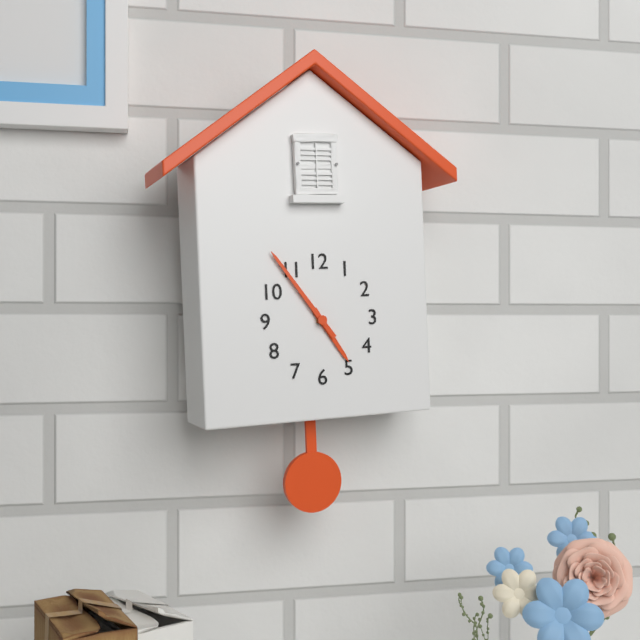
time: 4:54
